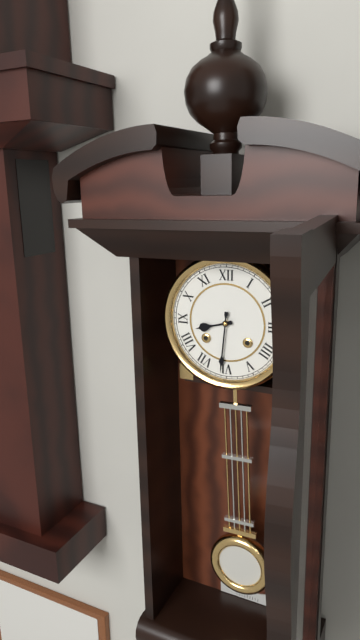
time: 8:31
